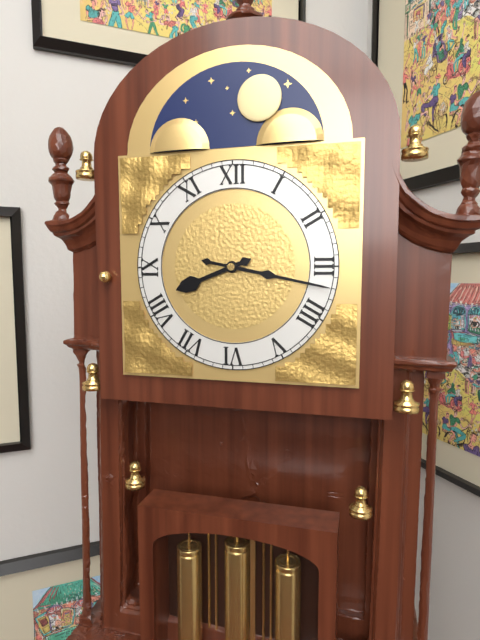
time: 8:17
